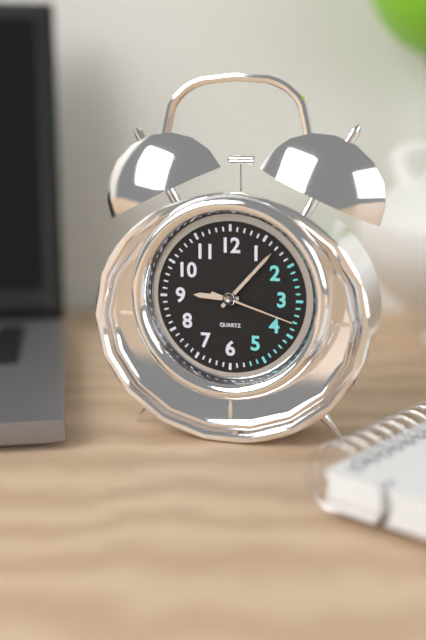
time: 9:07:18
